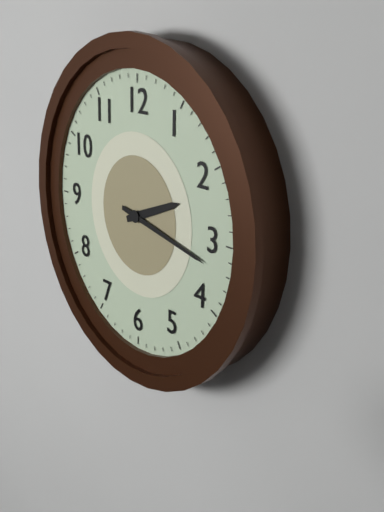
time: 2:17
